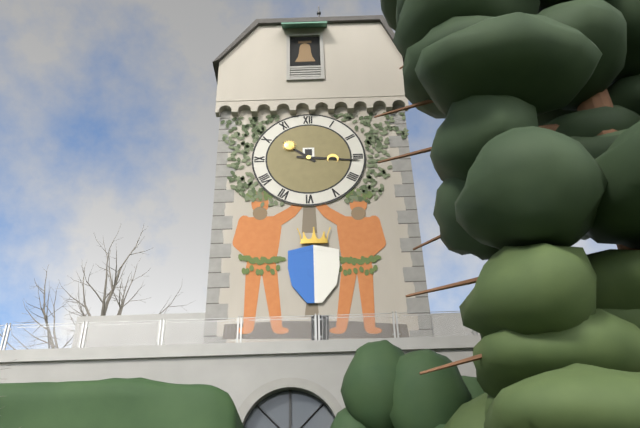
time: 10:16
